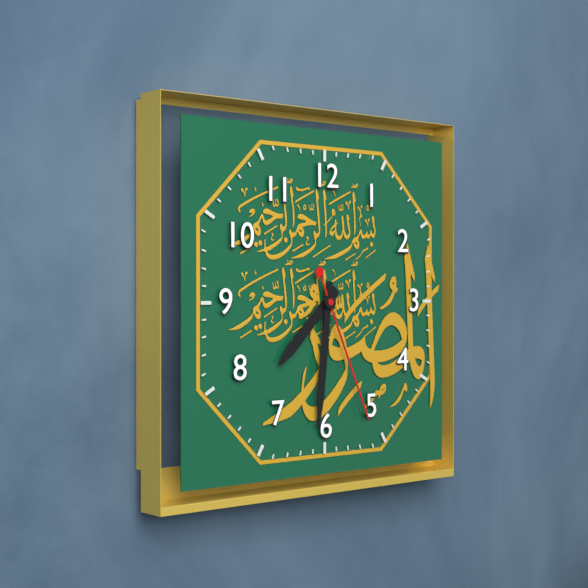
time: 7:31:26
